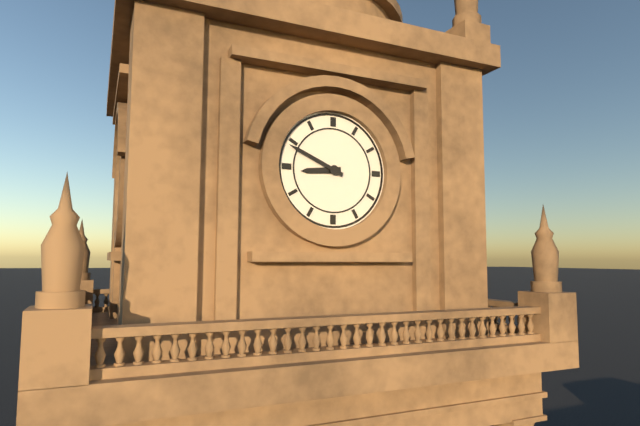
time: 8:49
